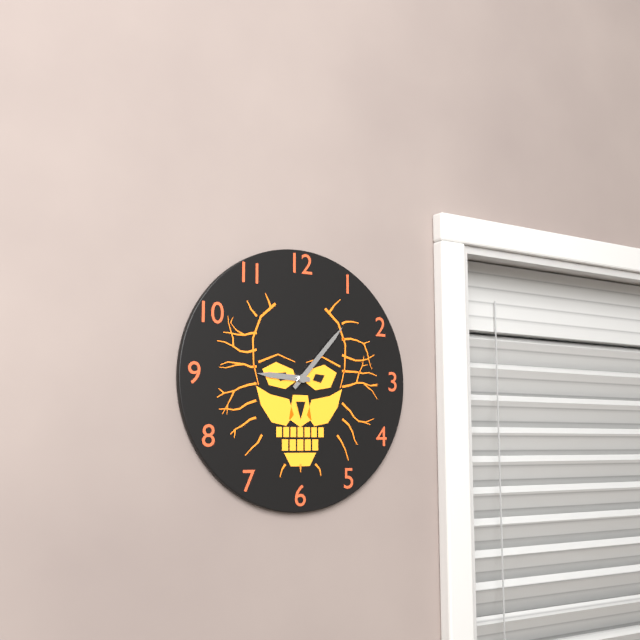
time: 9:07
